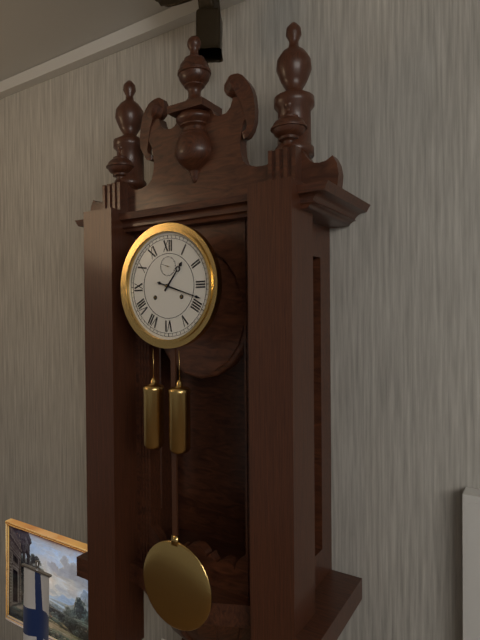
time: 1:18
